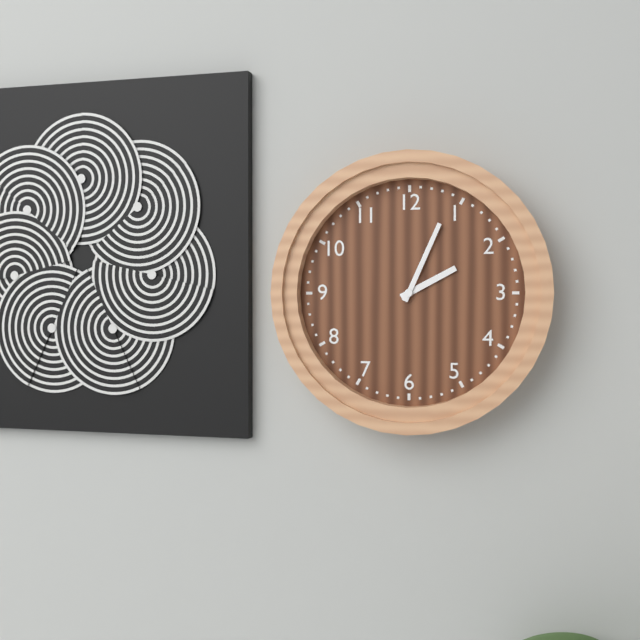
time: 2:04
